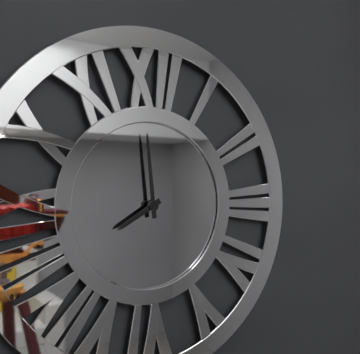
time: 7:59
